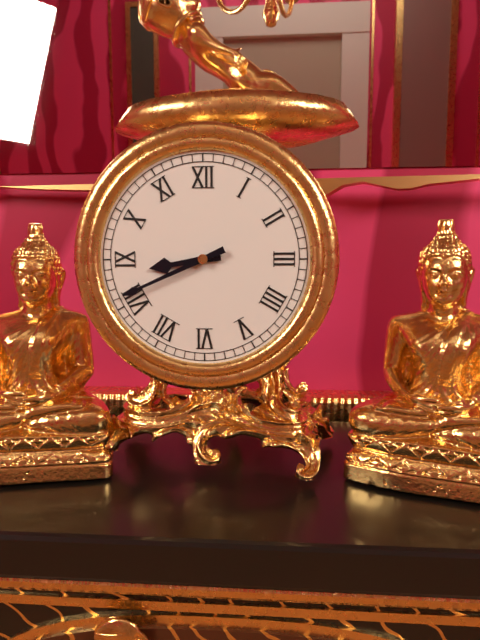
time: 8:41
